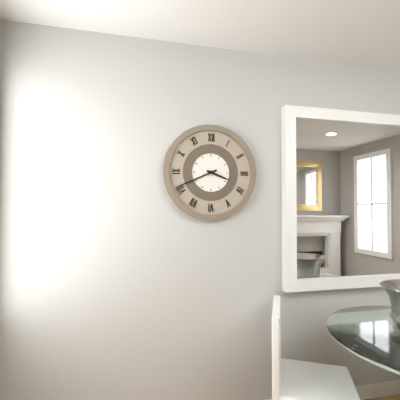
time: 3:41
